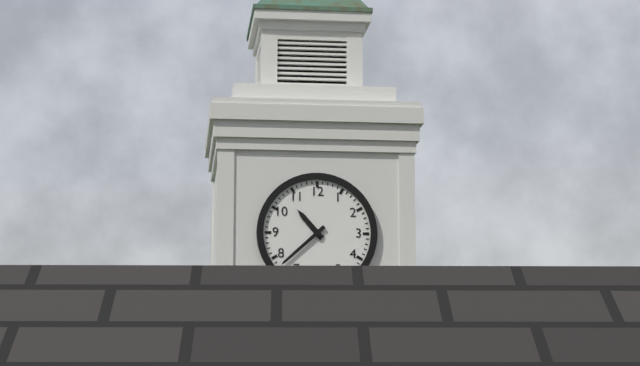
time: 10:38
